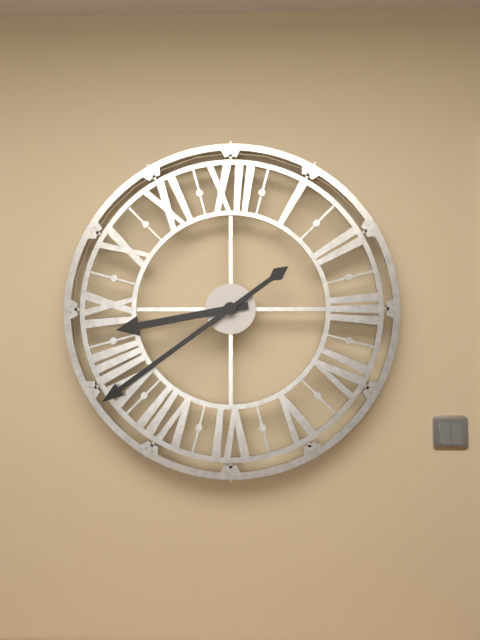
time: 8:39
